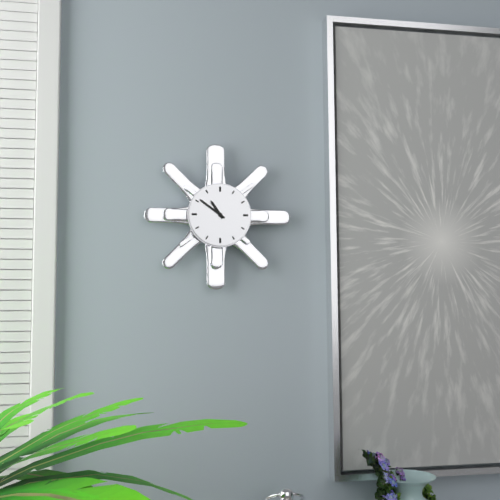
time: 10:51
